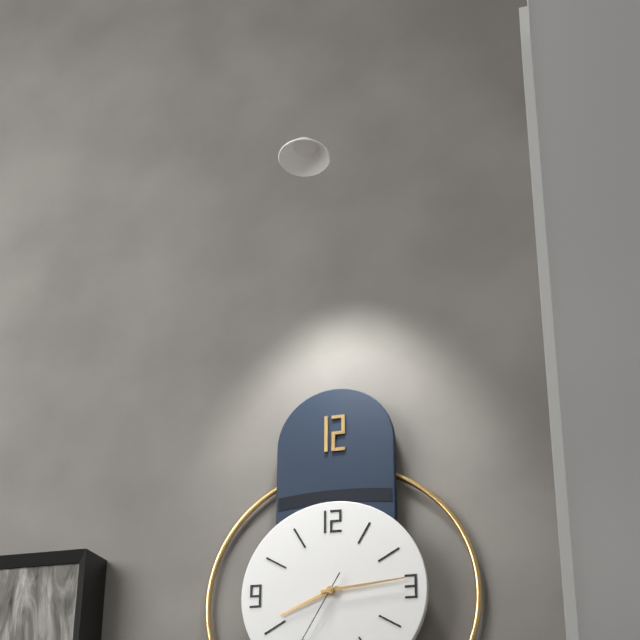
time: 8:14
